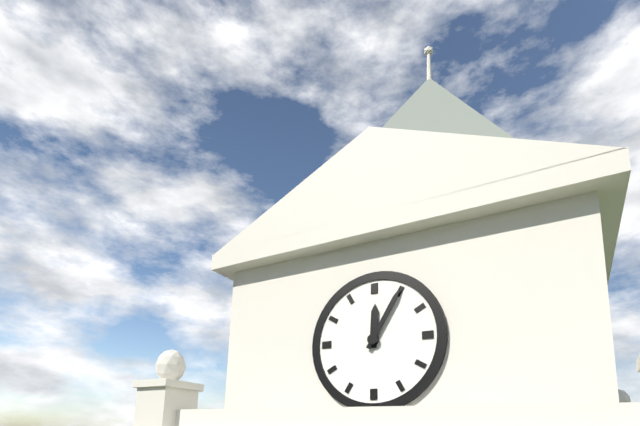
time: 12:05
